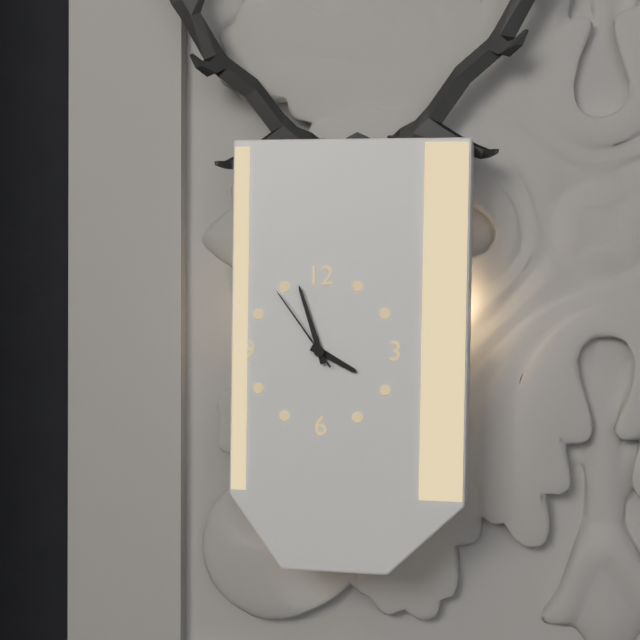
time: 3:57:54
